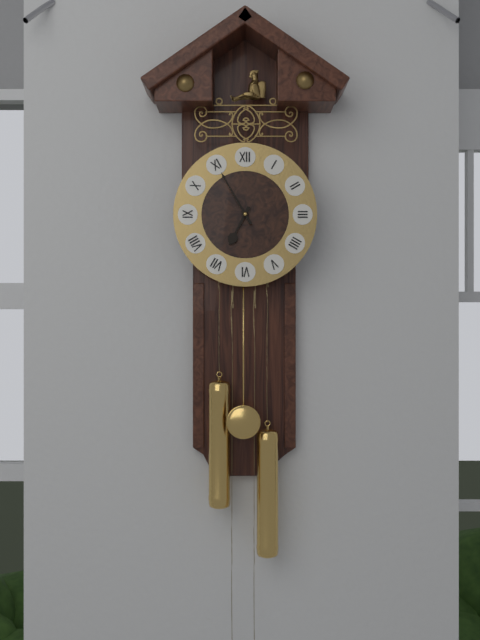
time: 6:55
